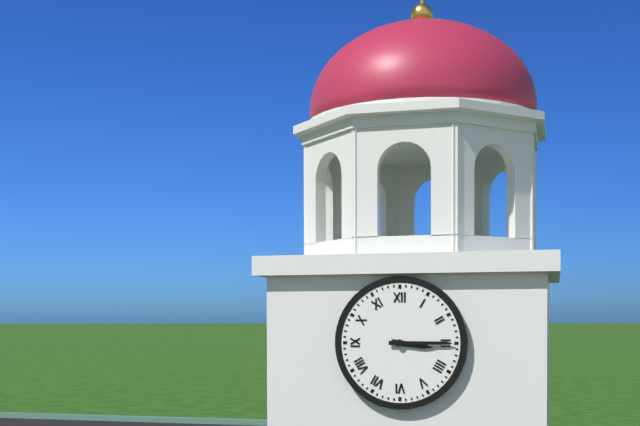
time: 3:15
